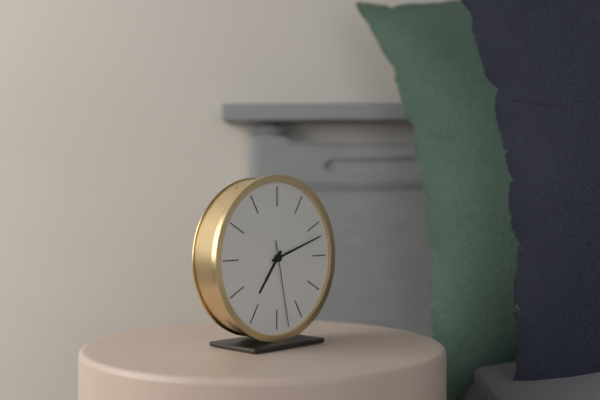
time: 7:12:28
